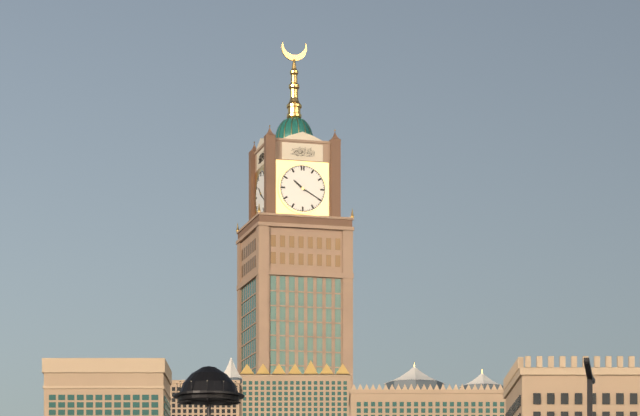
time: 10:20
